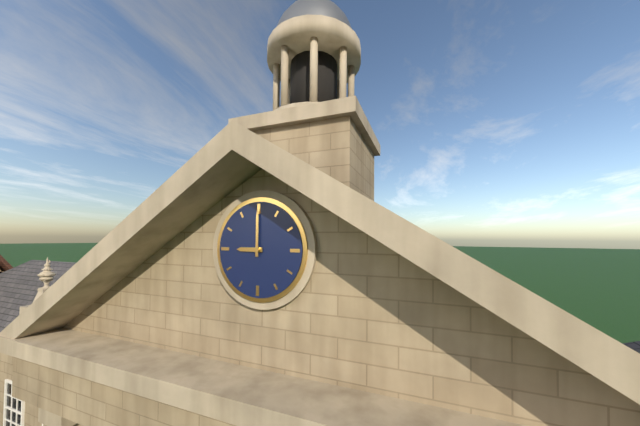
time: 9:00
